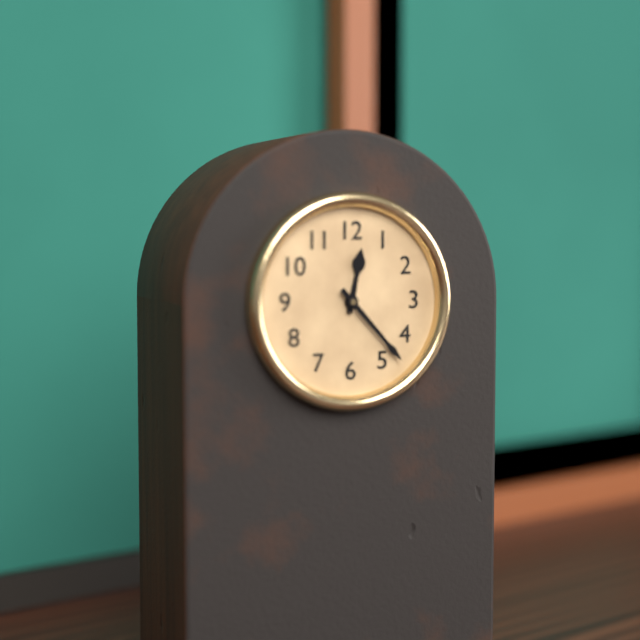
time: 12:23
